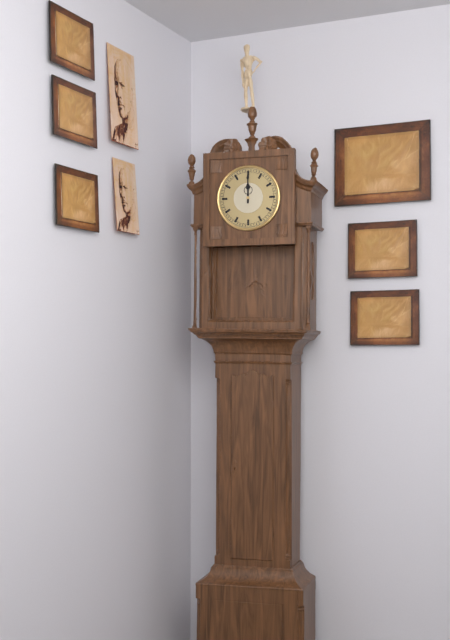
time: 12:00
